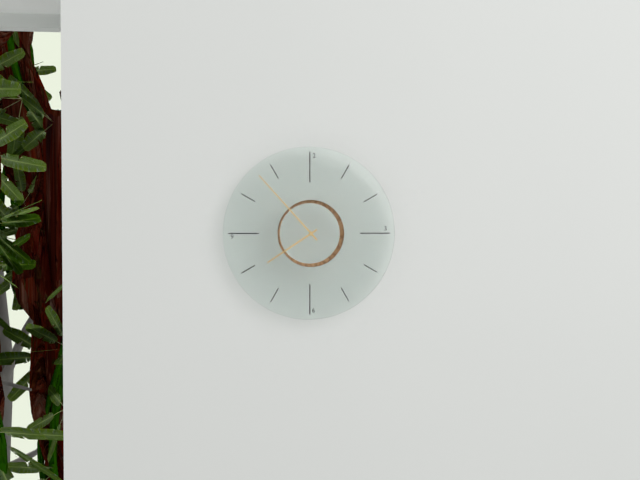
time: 7:53
